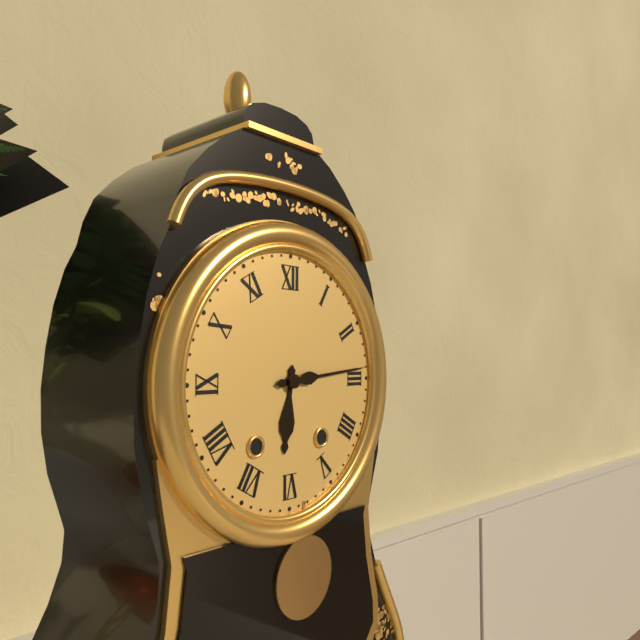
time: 6:14
